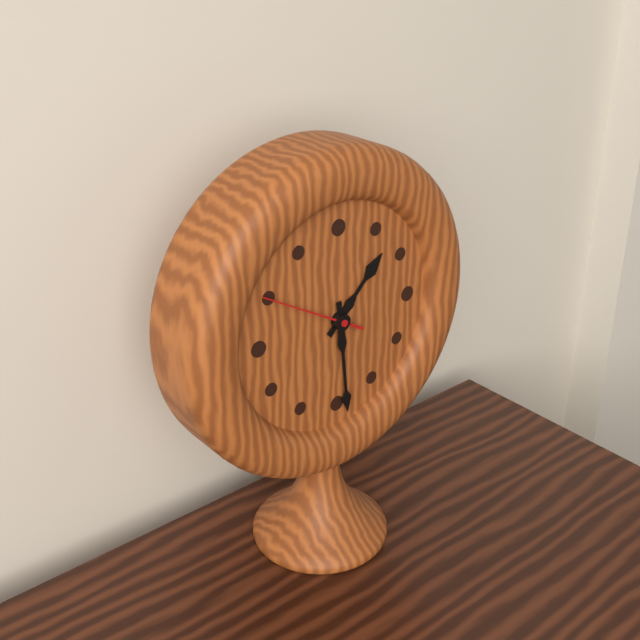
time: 1:29:50
